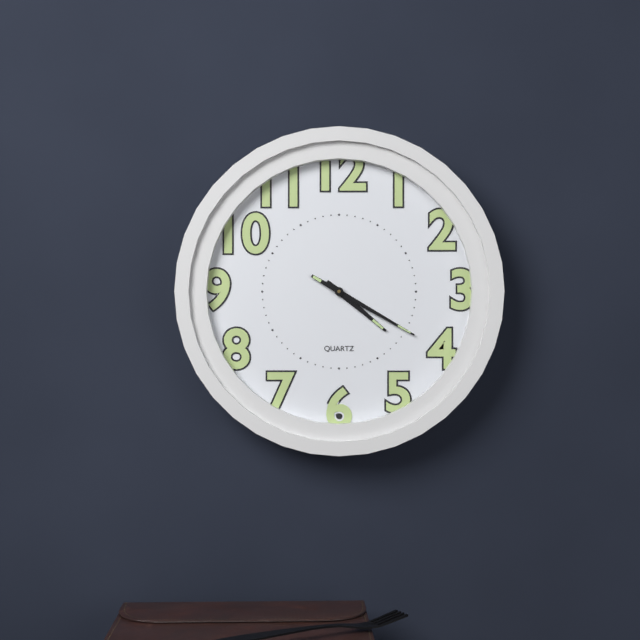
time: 4:20
